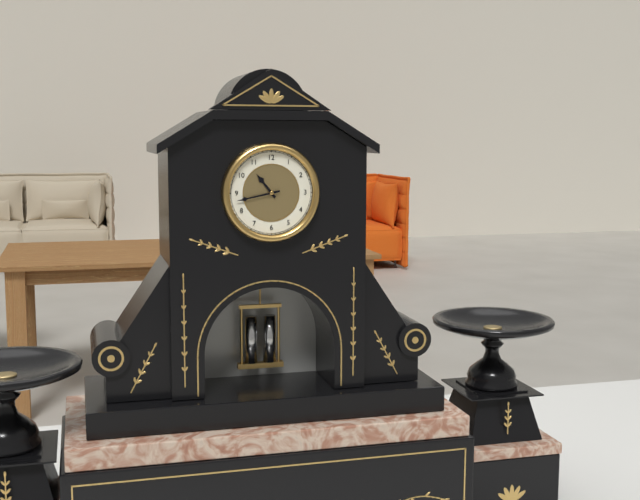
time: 10:43
